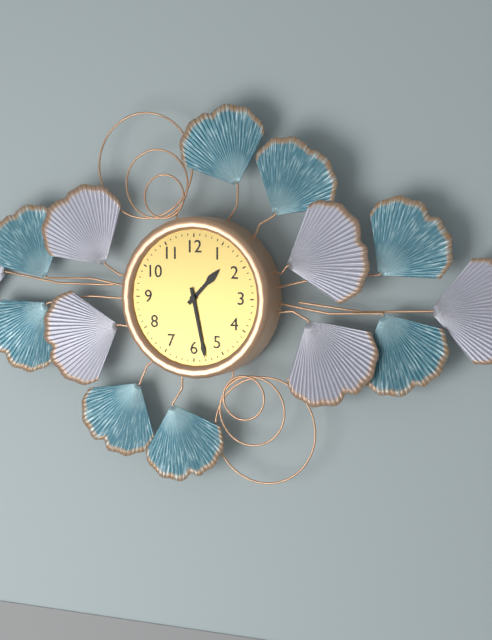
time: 1:28
